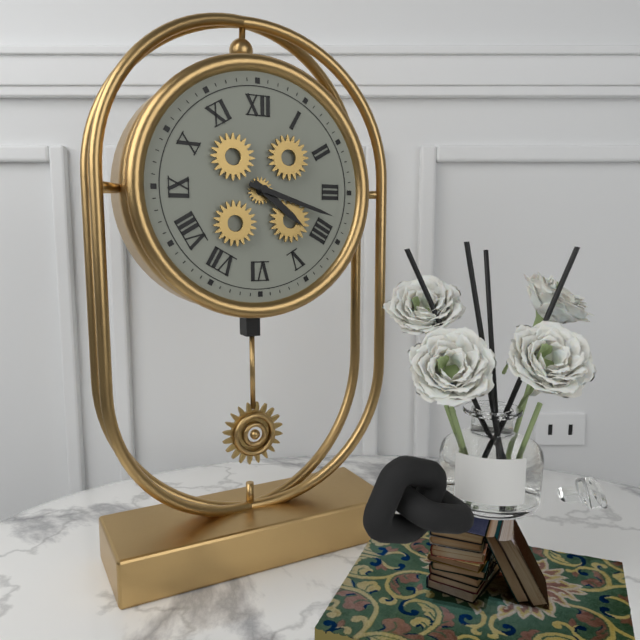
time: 4:18
